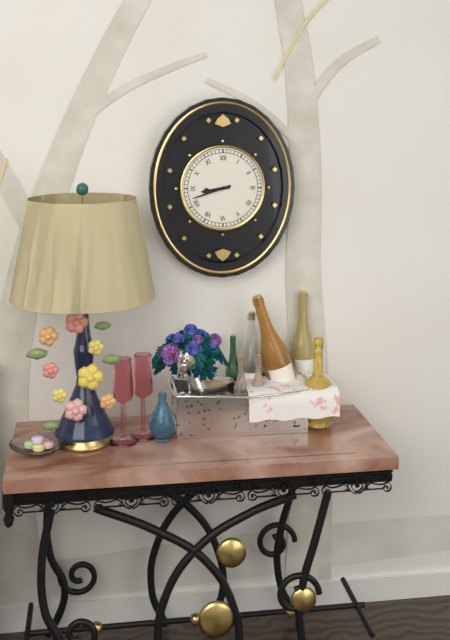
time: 8:42
